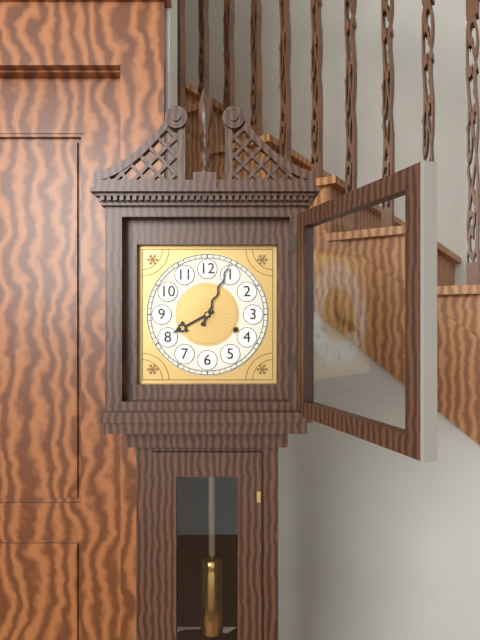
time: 8:04
